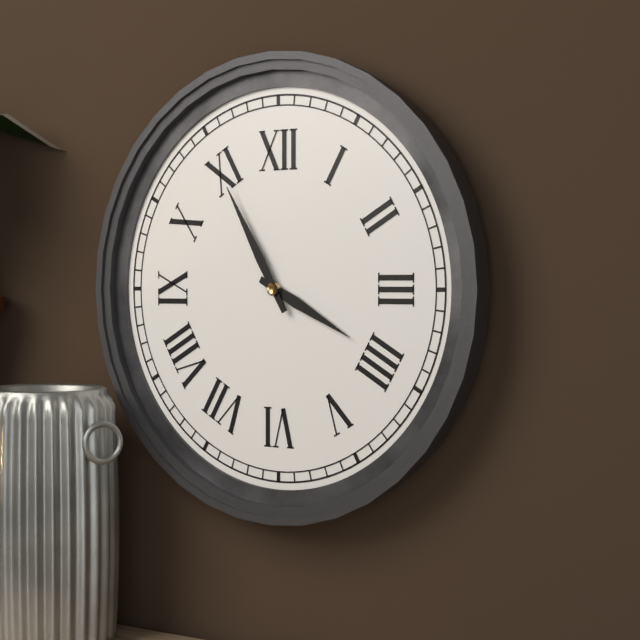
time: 3:55
